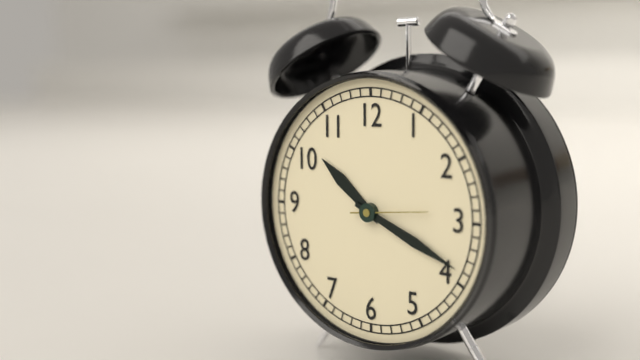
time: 10:19:14
